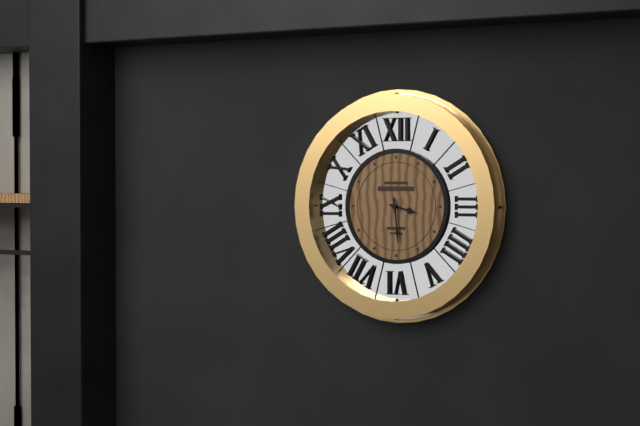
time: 3:29
